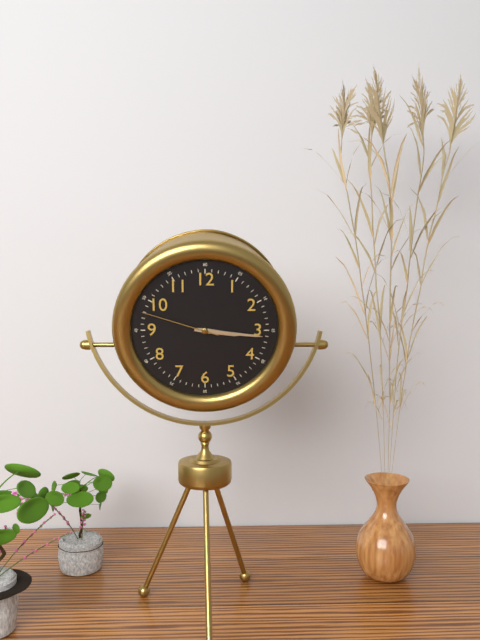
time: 3:16:48
